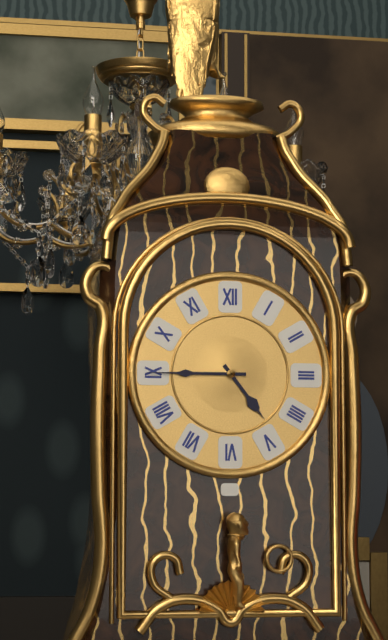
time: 4:45
